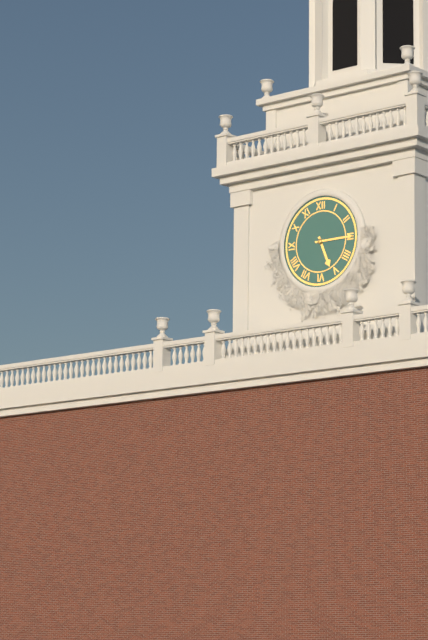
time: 5:15
